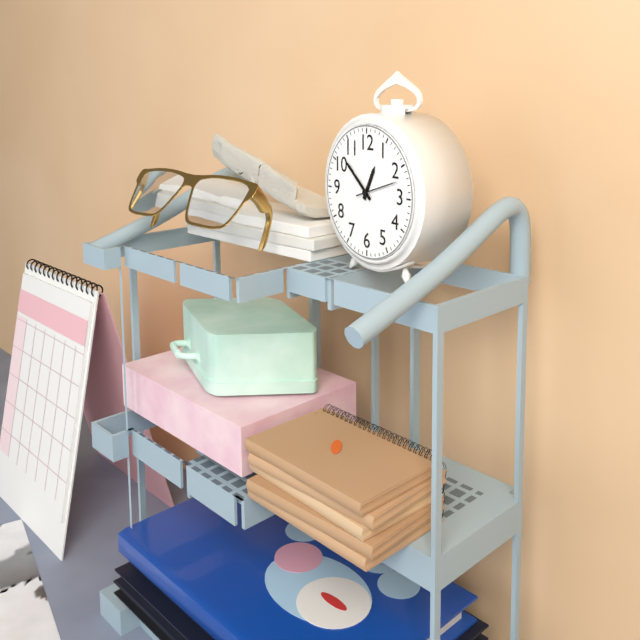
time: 12:52
